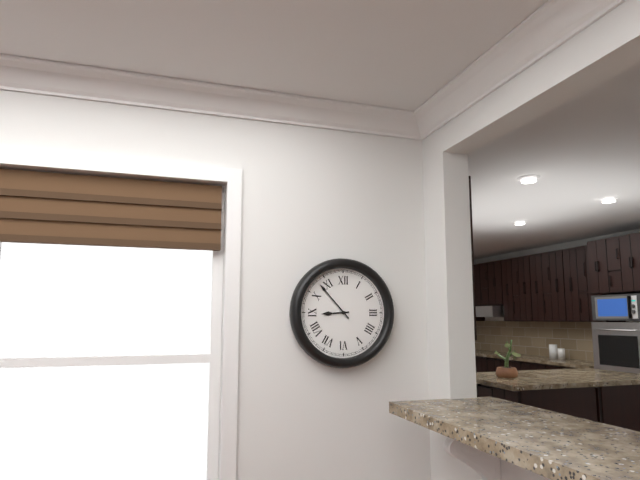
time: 8:53
